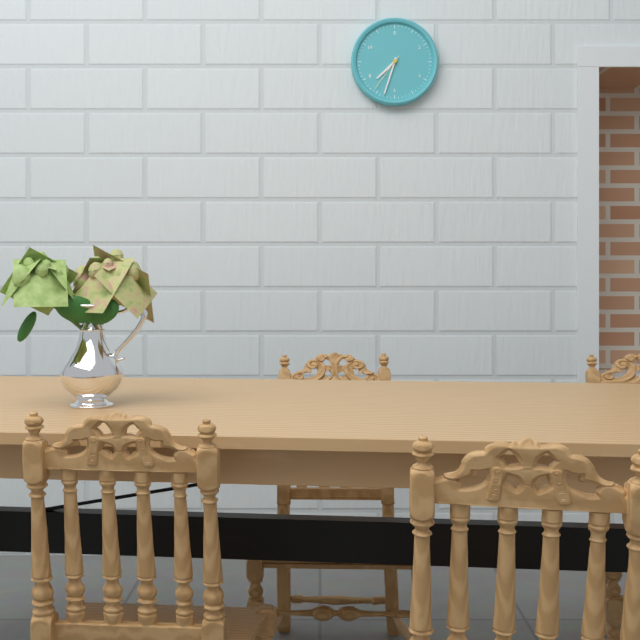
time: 7:33
